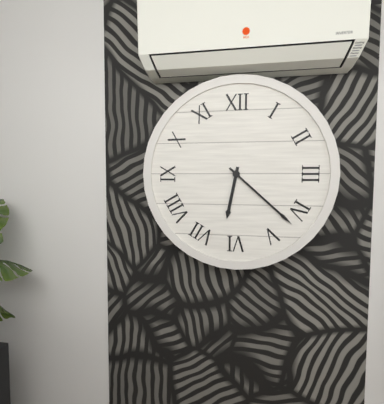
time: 6:22
